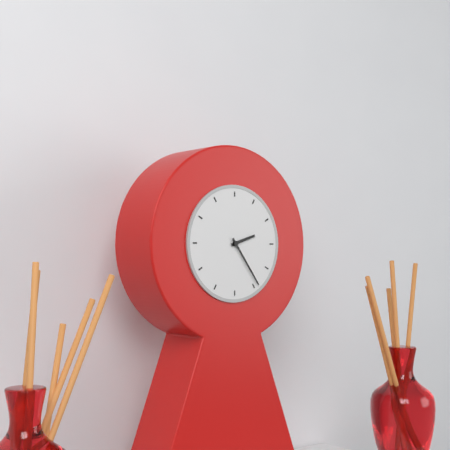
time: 2:24
